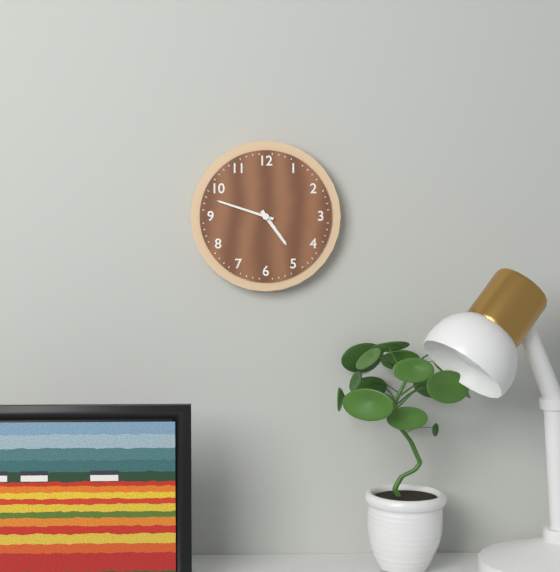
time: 4:48
